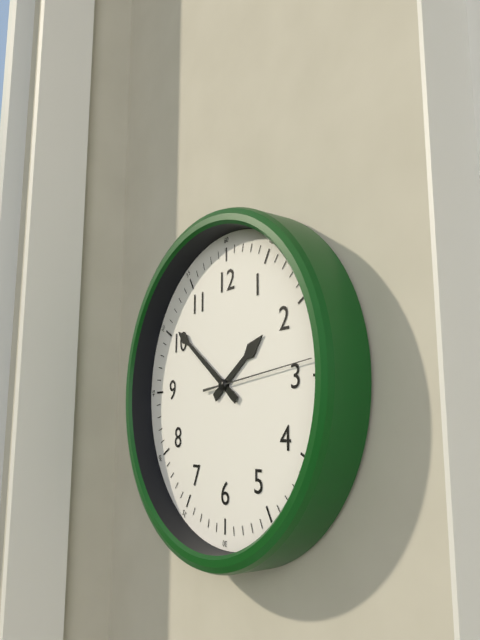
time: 1:51:14
